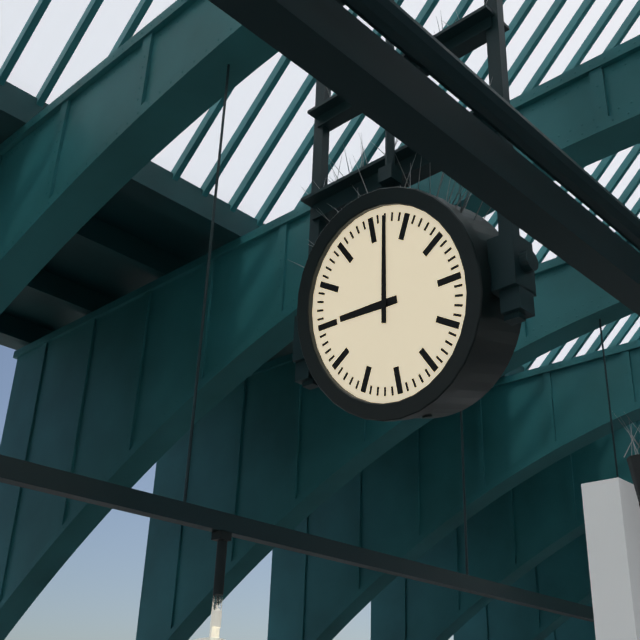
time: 9:02
